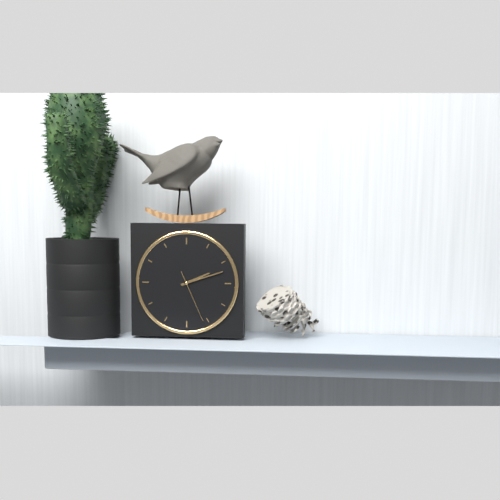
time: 2:12:26
